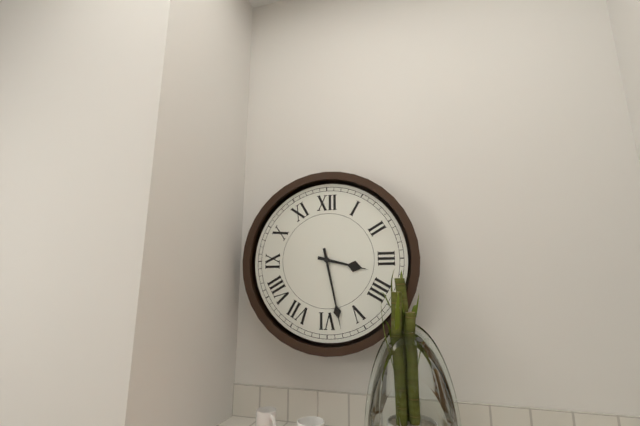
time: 3:28
